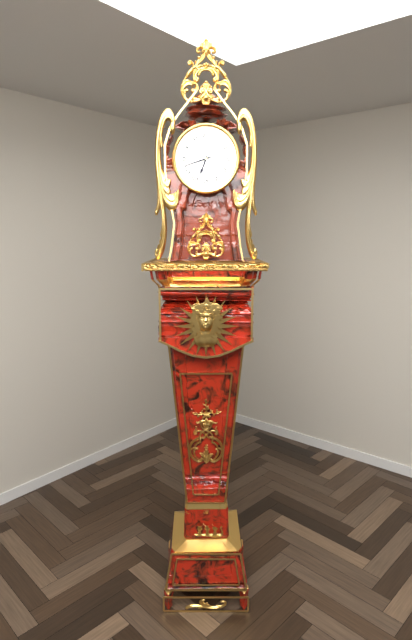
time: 6:42
